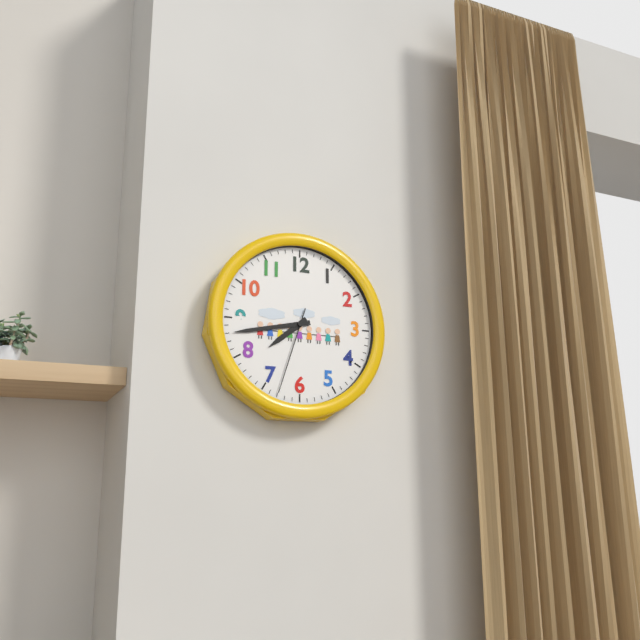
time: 7:43:33
